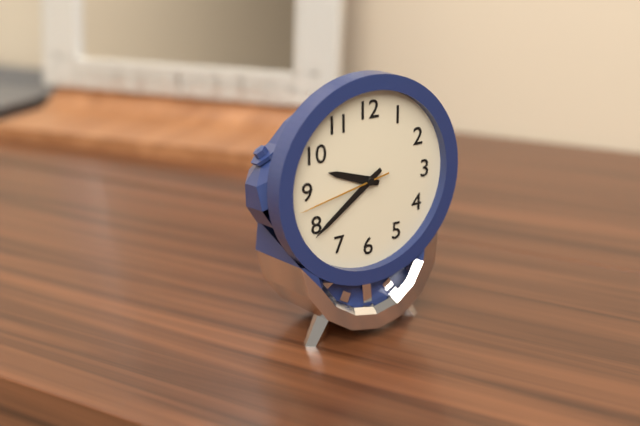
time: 9:39:43
